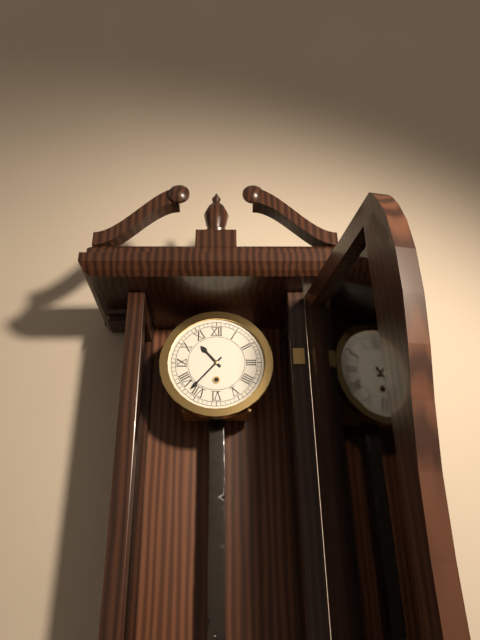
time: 10:37
